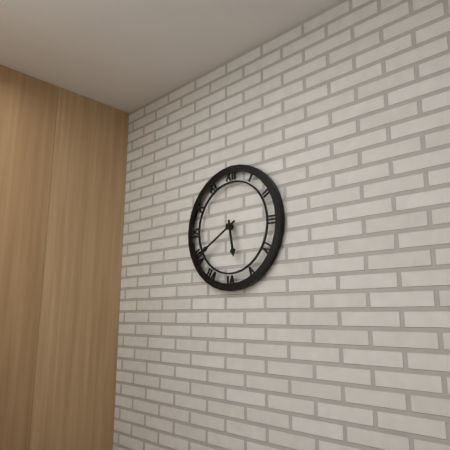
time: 5:40
